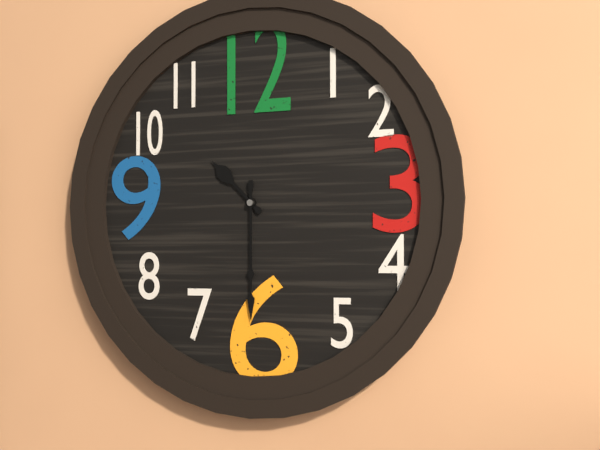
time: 10:30
